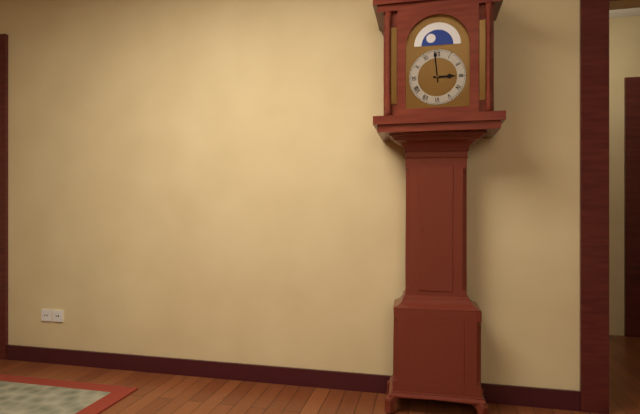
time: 2:59
